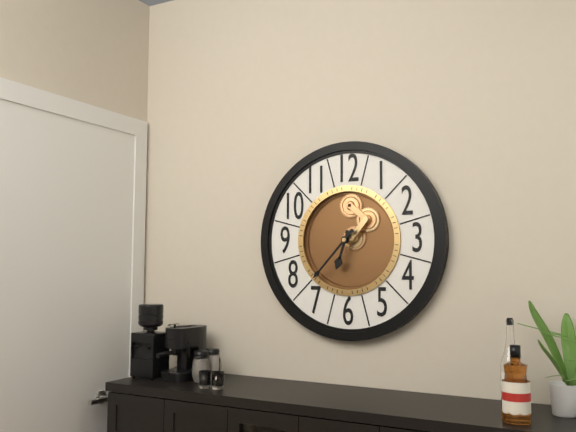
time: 6:37
